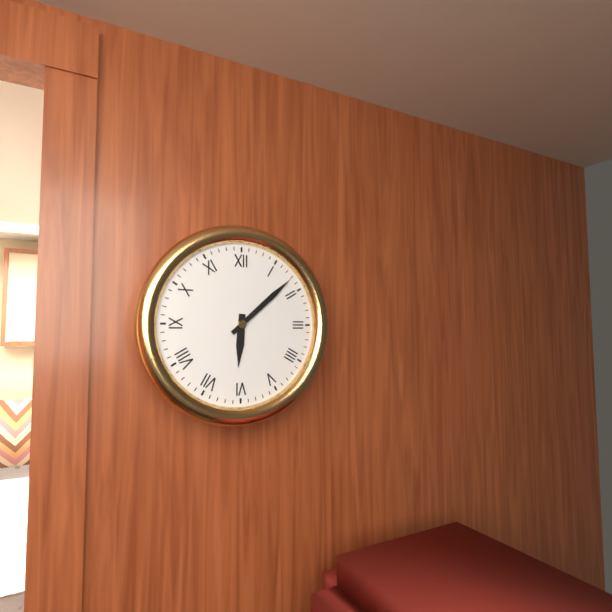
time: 6:08
